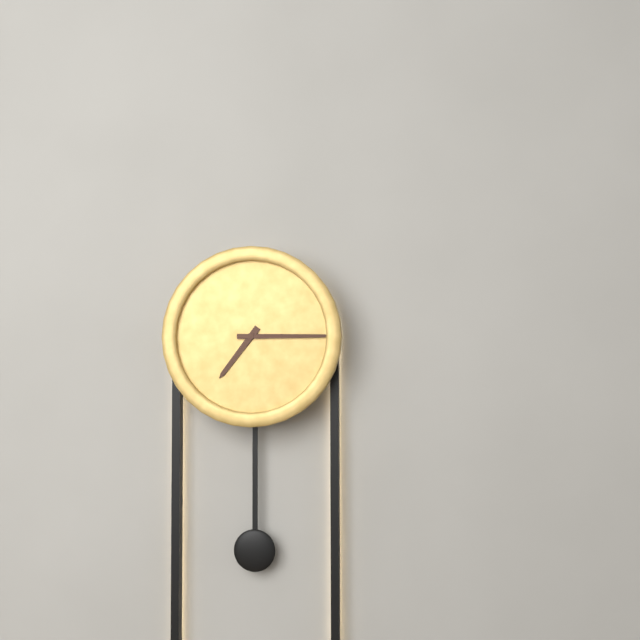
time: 7:15
